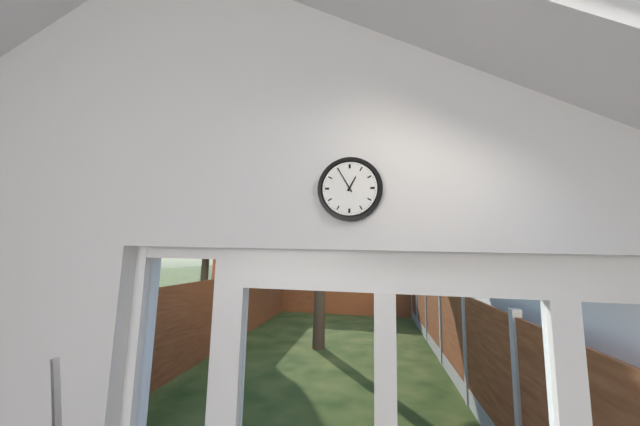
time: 12:55
